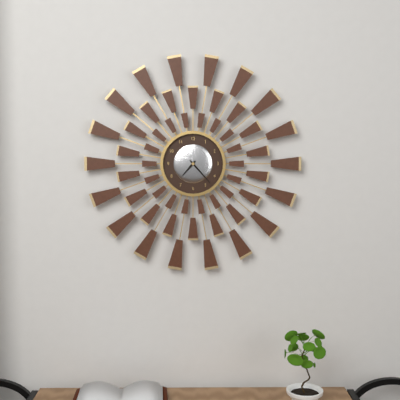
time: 7:23
